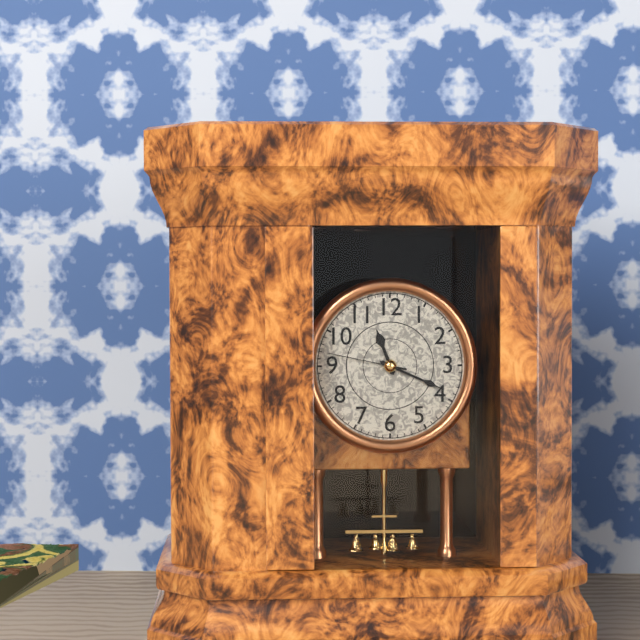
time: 11:19:47
